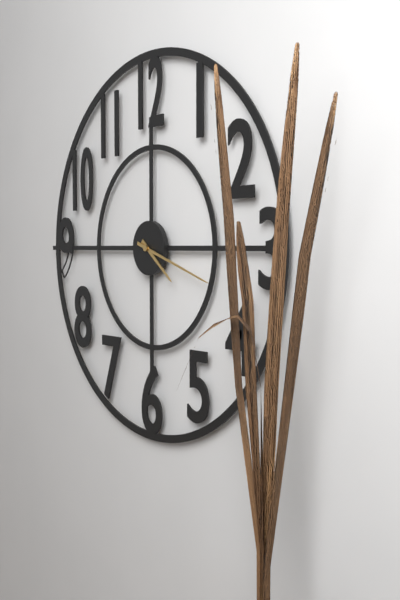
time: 4:18
